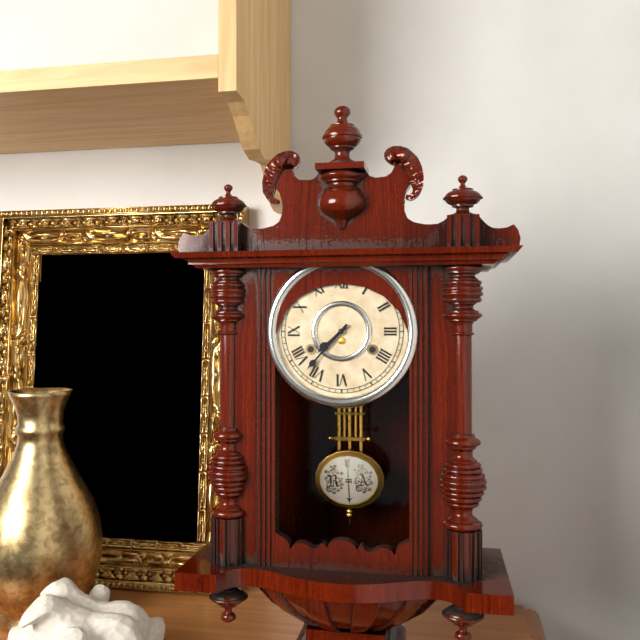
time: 7:37
